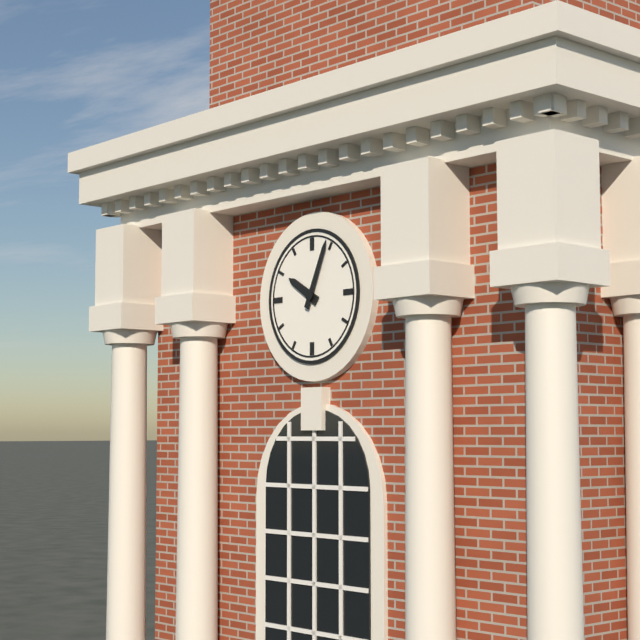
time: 10:04
